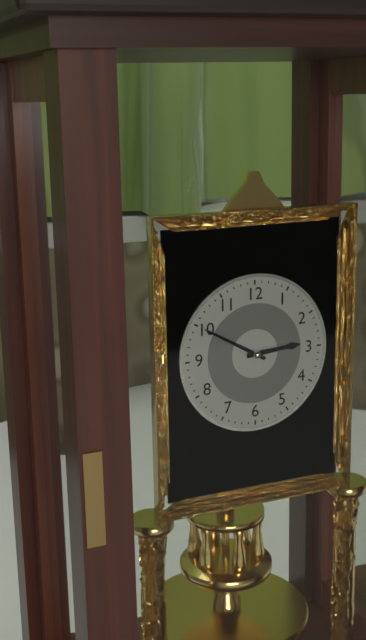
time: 2:50
